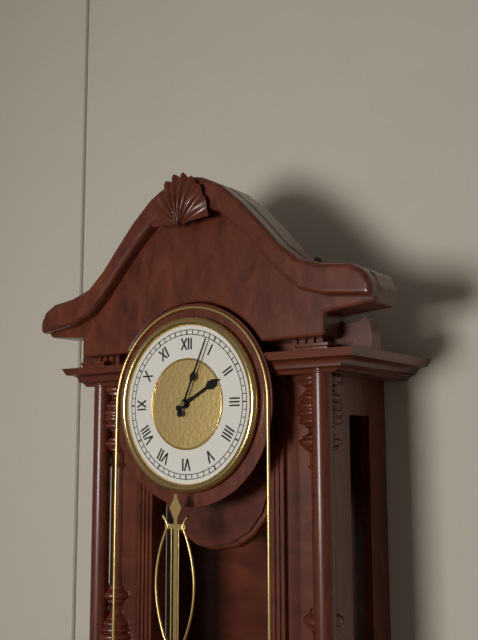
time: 2:04
